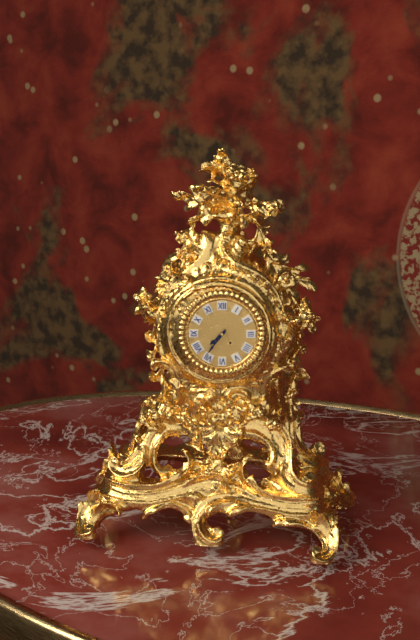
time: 7:36
